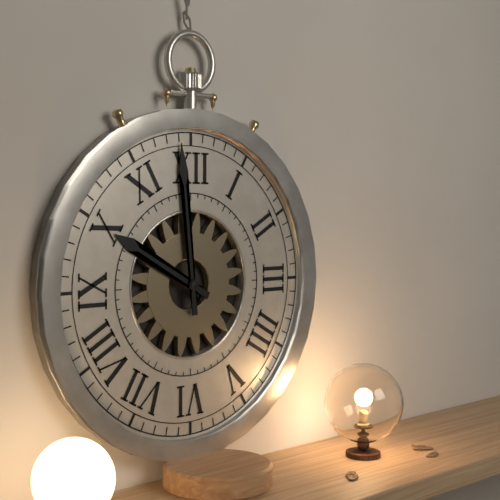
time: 9:59
